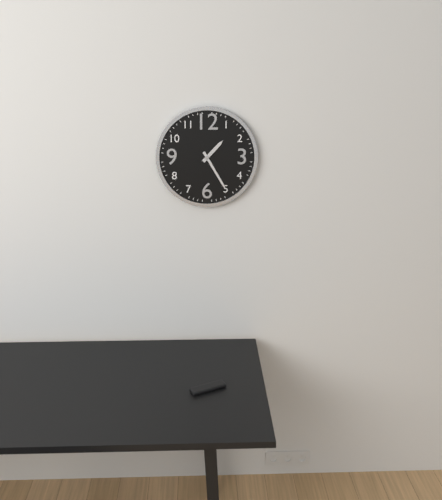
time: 1:25
